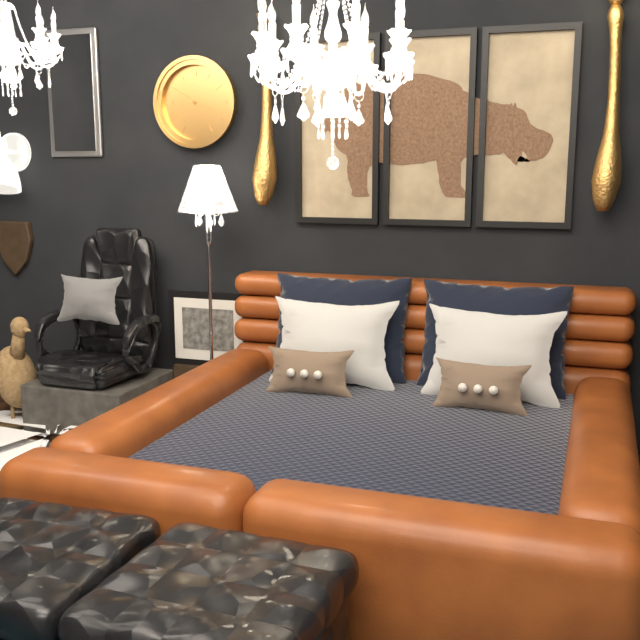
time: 3:50
